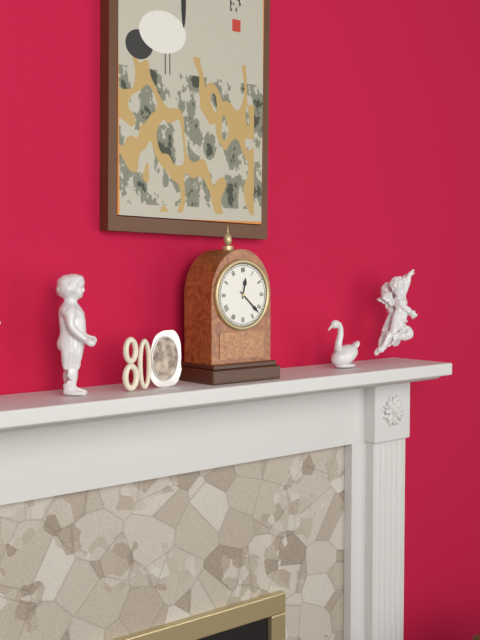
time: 12:22
